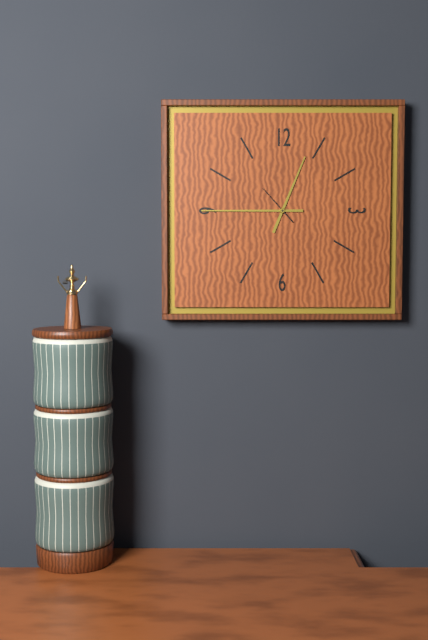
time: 12:45
